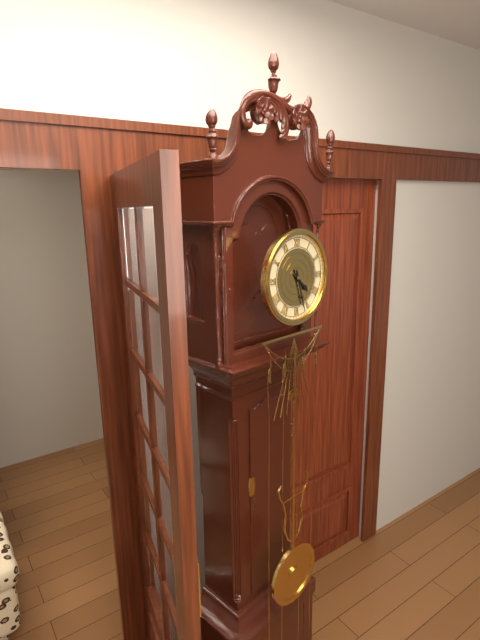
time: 4:27
